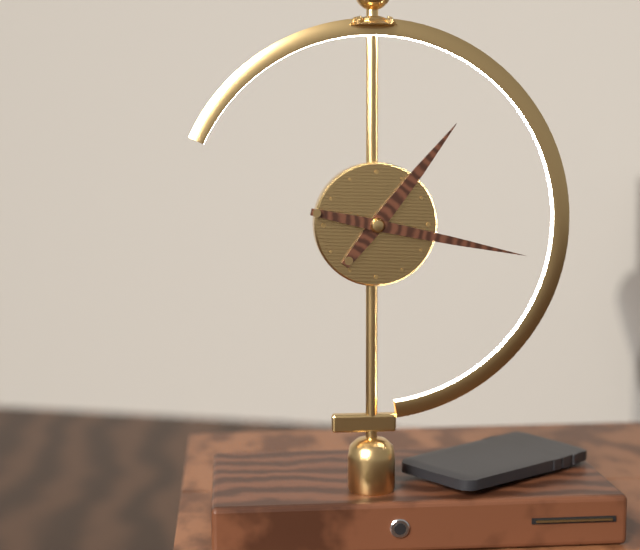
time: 1:17
